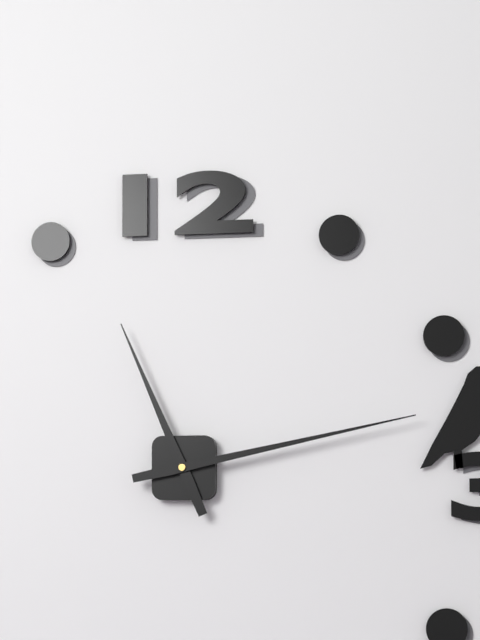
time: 11:13
